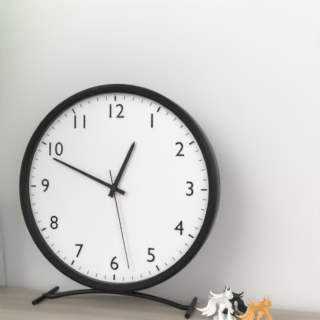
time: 12:49:28
